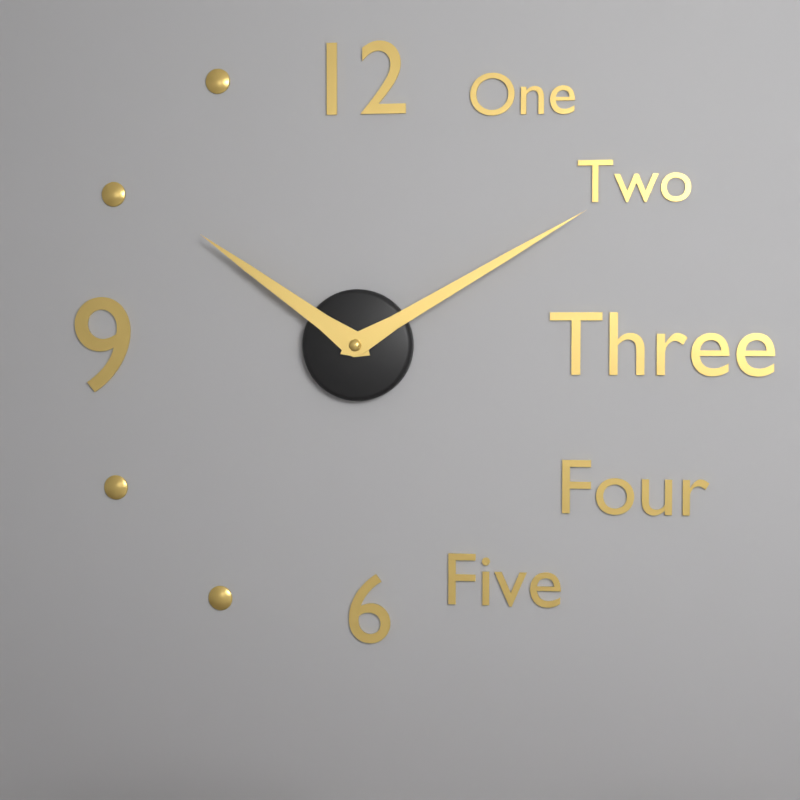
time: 10:10
